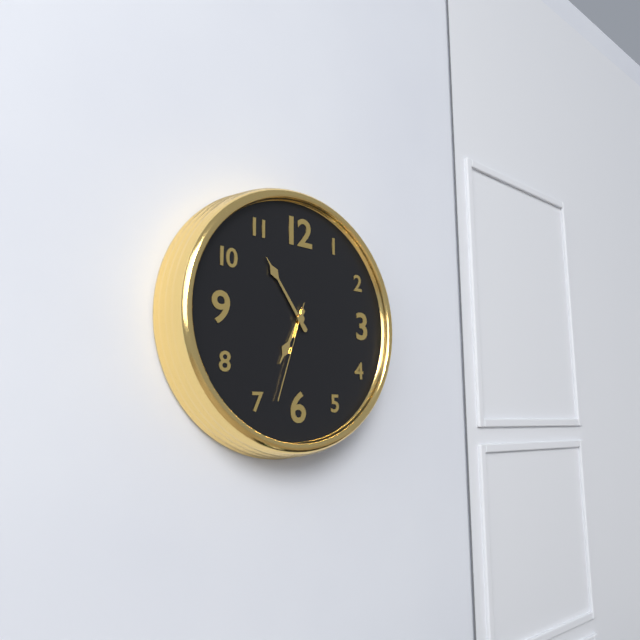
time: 6:54:33
